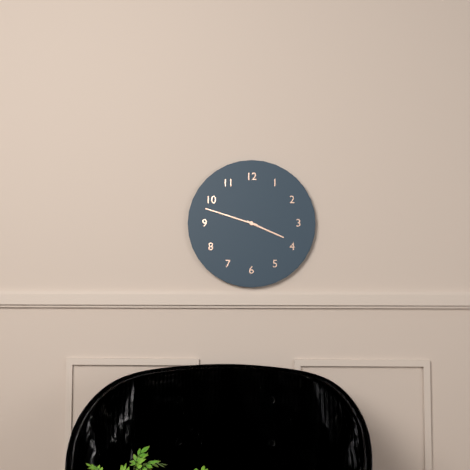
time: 3:48
